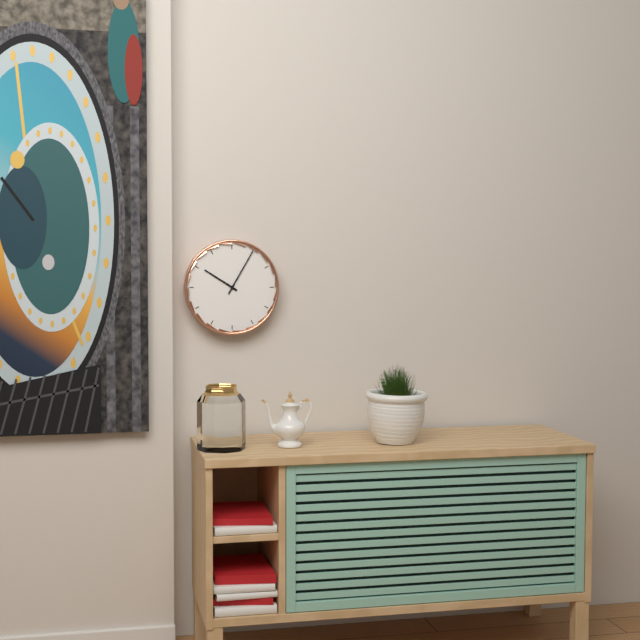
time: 10:05
